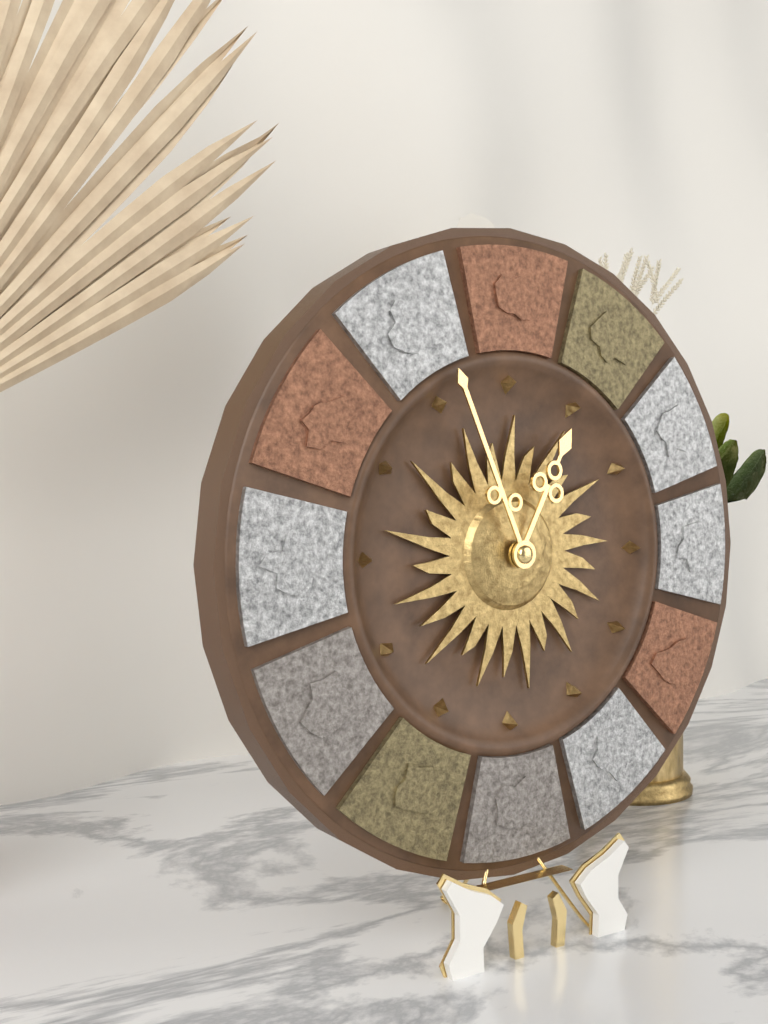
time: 12:56
